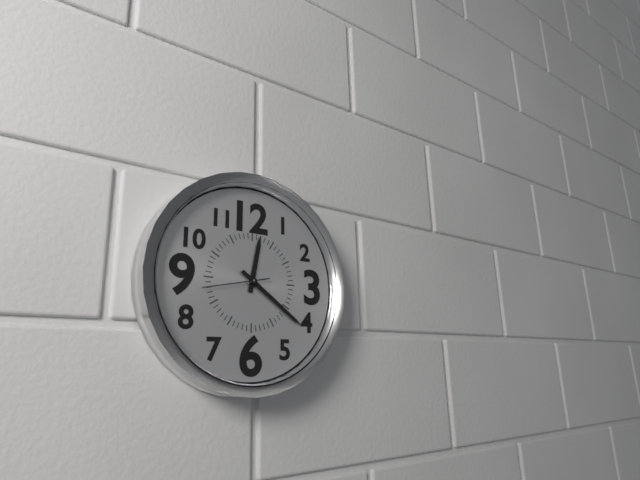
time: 12:21:43
